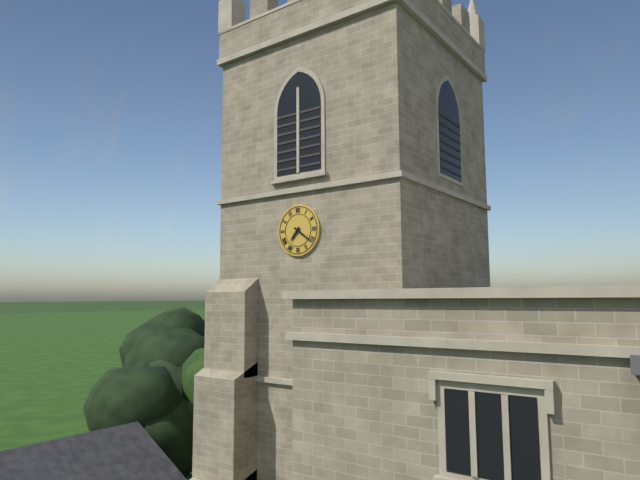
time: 7:21
